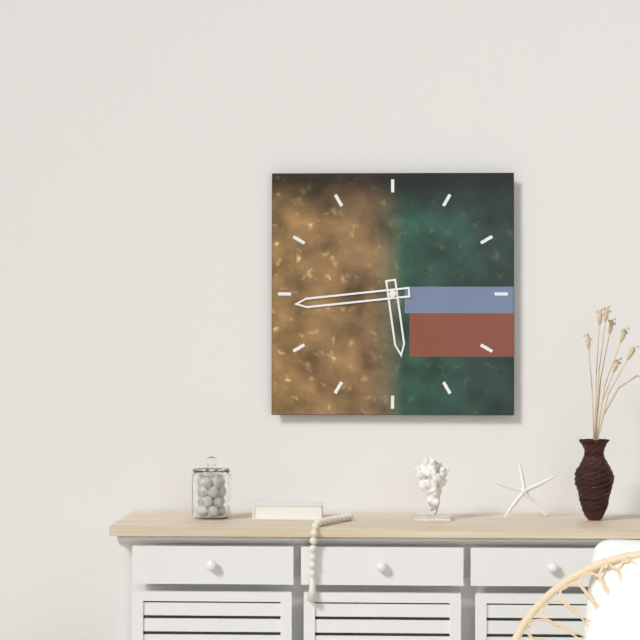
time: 5:44
